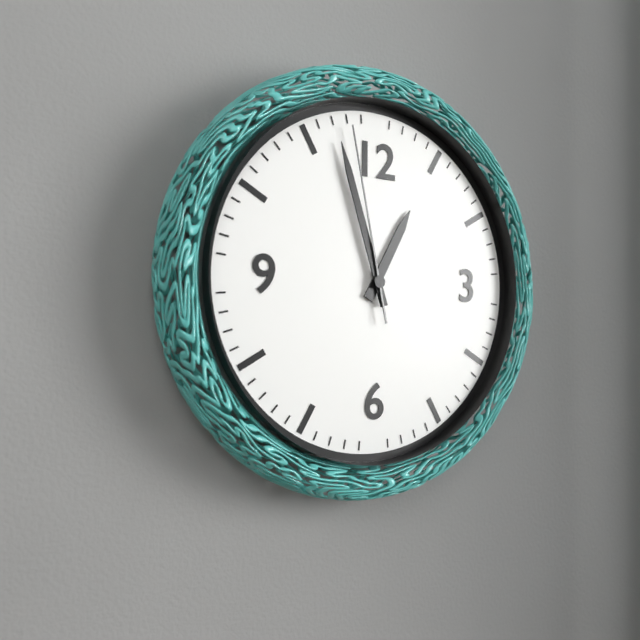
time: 12:57:58
